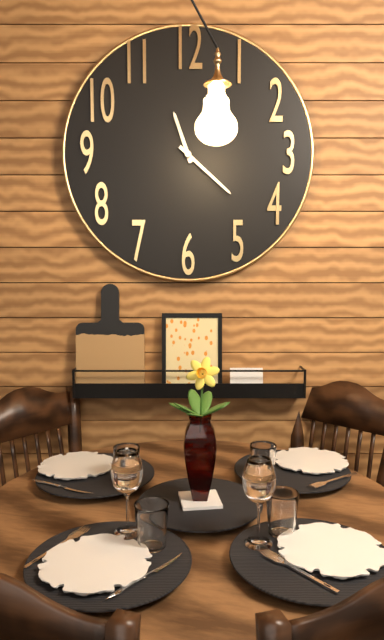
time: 11:22
